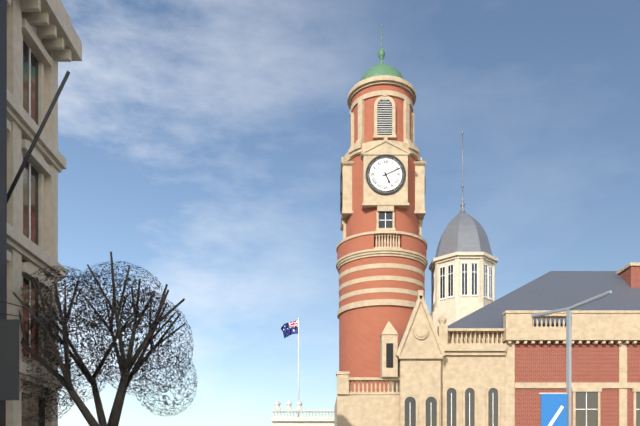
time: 5:11
